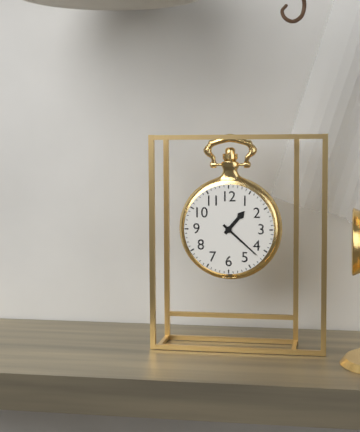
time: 1:22
